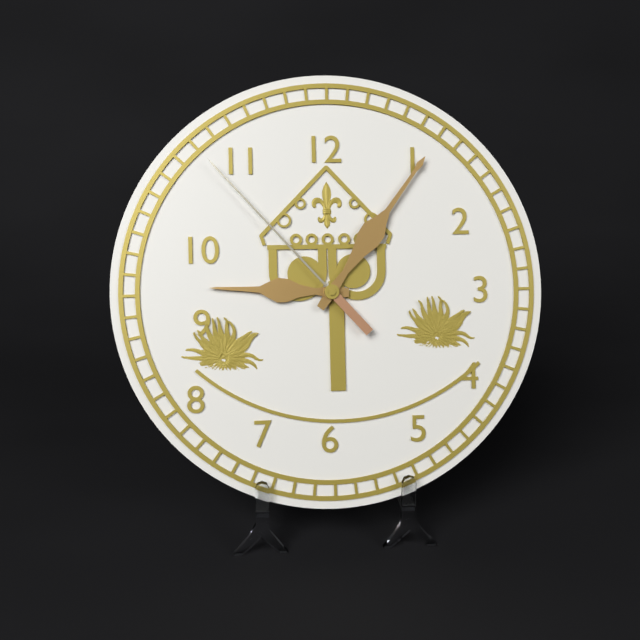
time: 9:06:53
